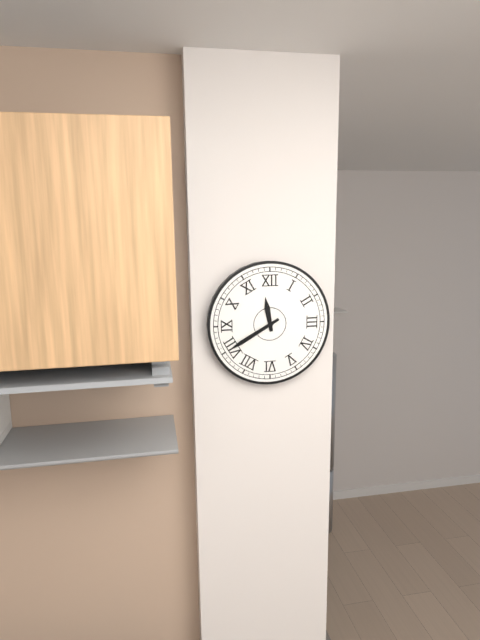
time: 11:40
